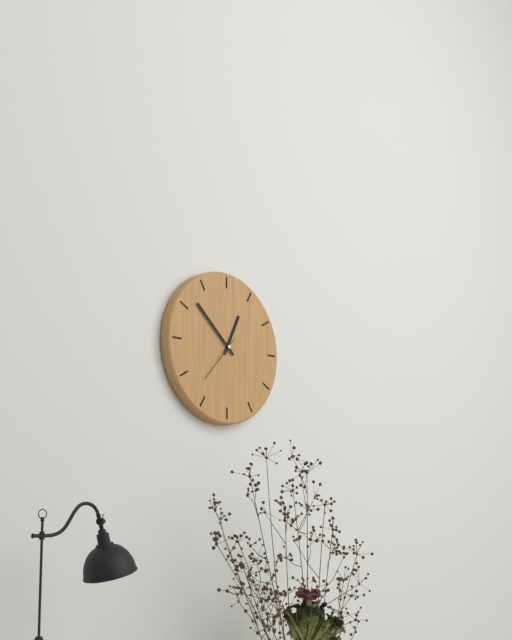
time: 12:52
